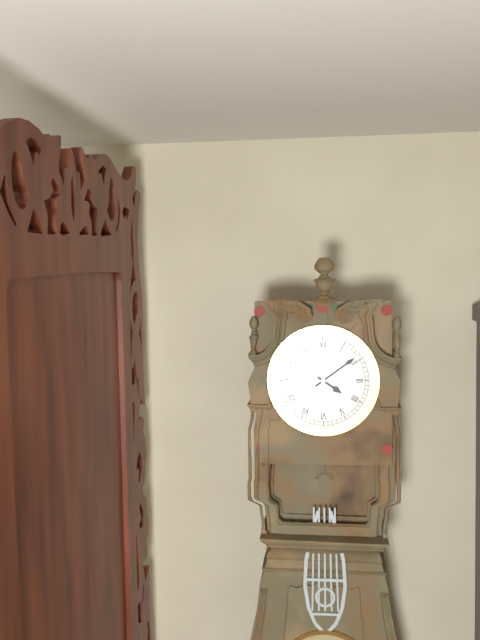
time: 4:09
